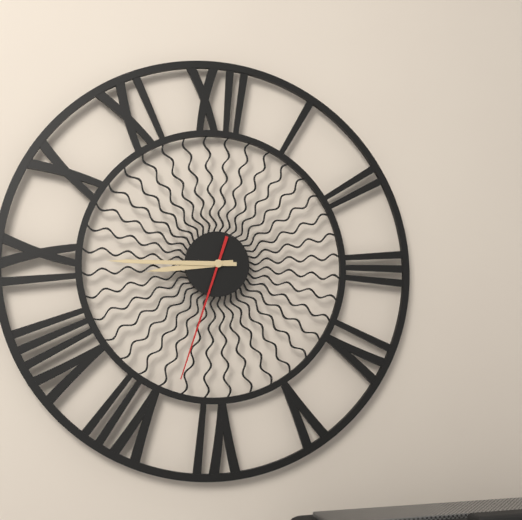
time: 8:45:33
